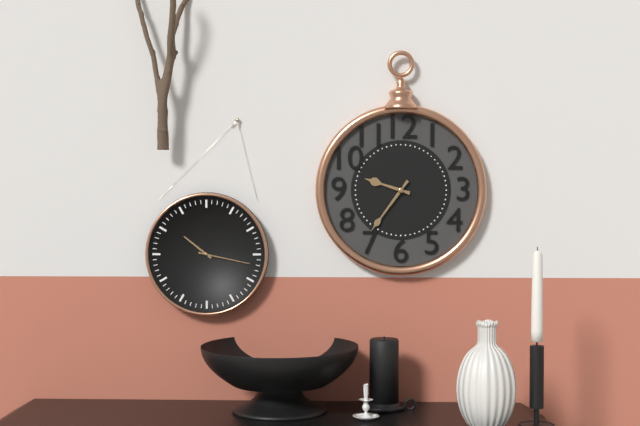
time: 9:36
